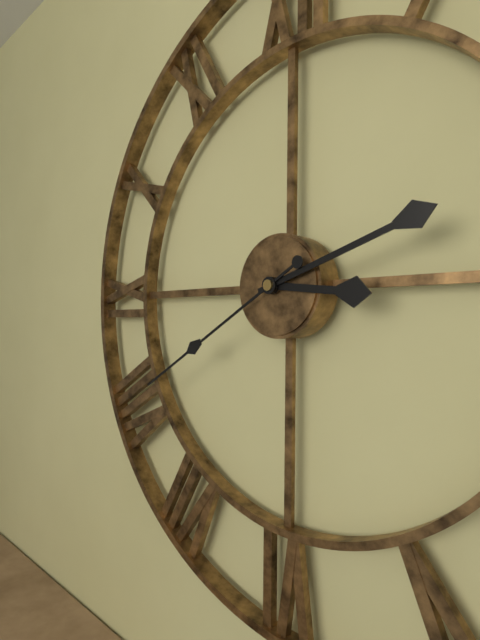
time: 3:12:40
